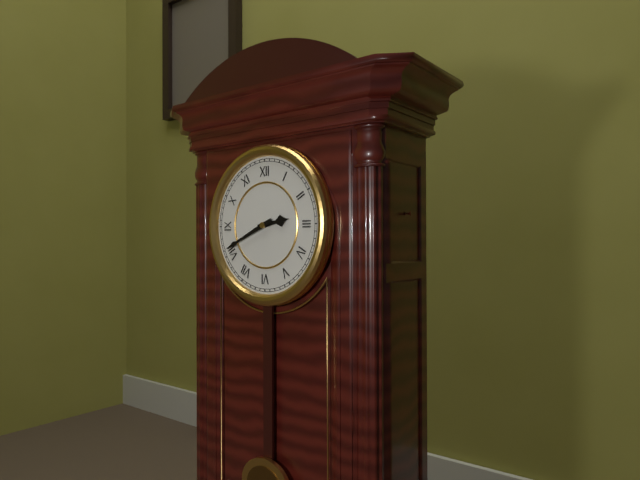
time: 2:41
